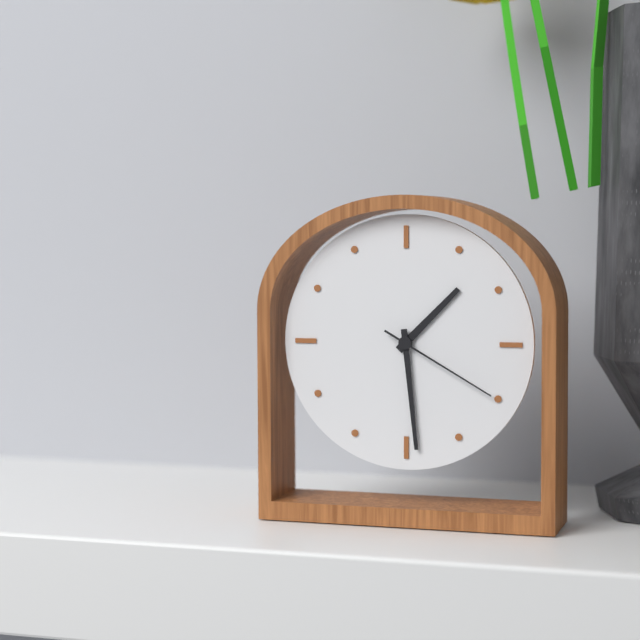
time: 1:29:20
